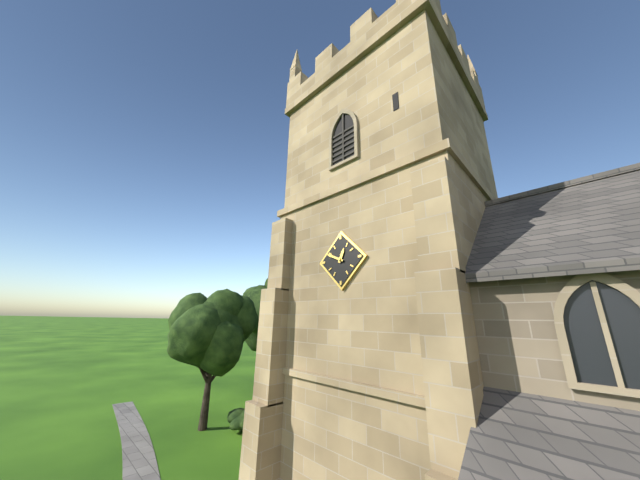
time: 12:49
